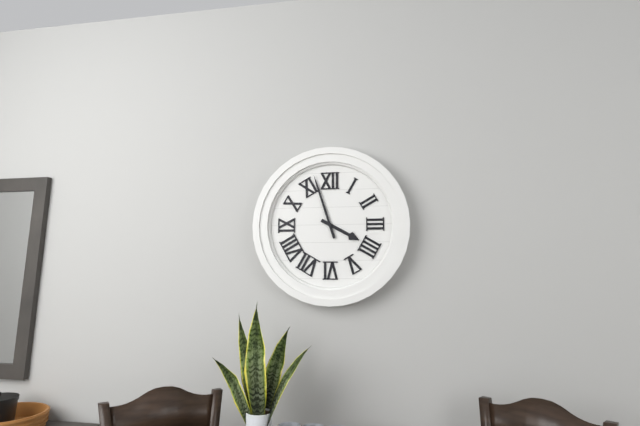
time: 3:57
